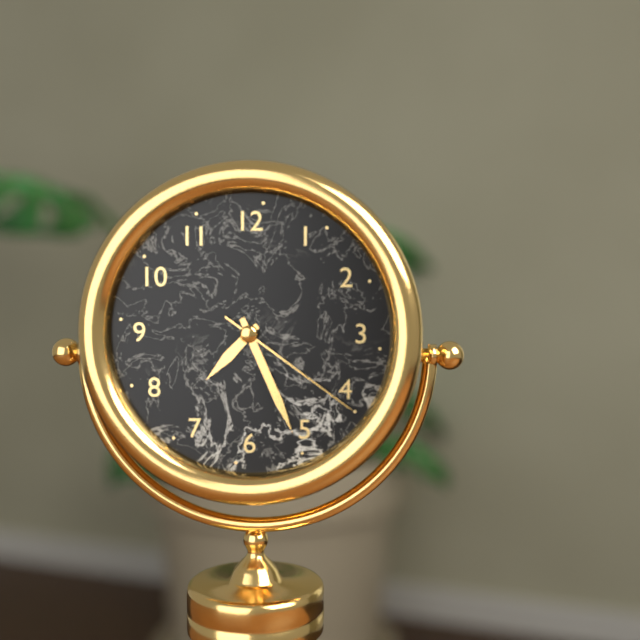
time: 7:26:21
